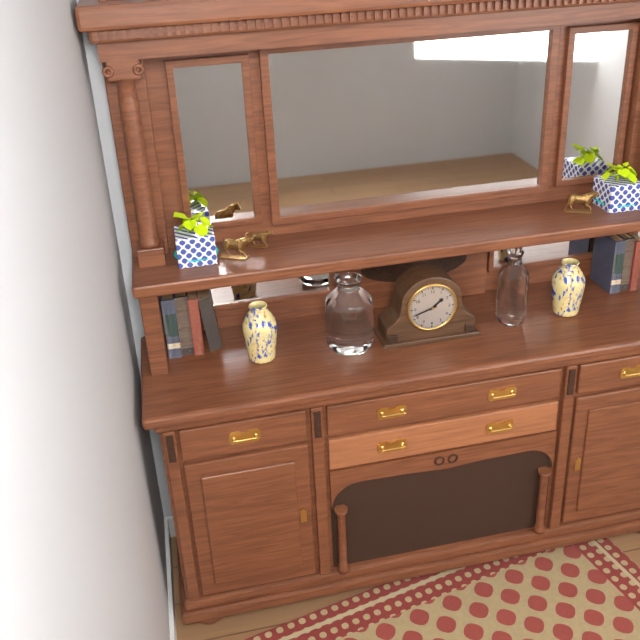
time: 1:42
